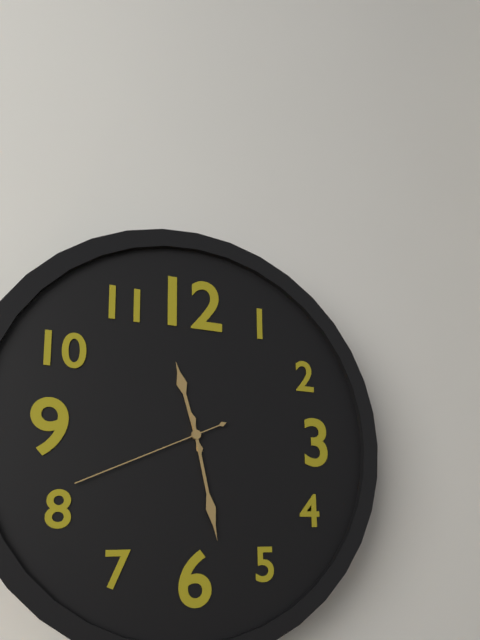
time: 11:28:41
